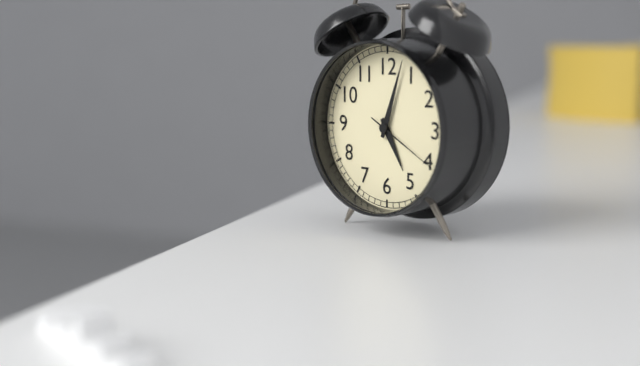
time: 5:03:20
